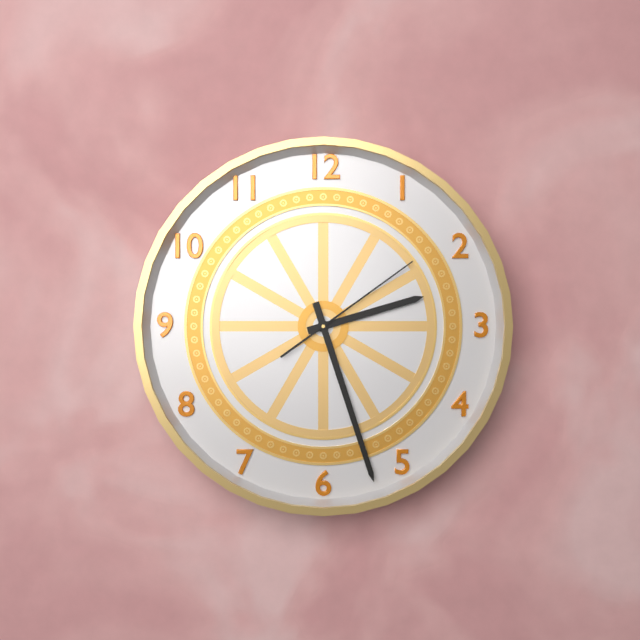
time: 2:27:09
